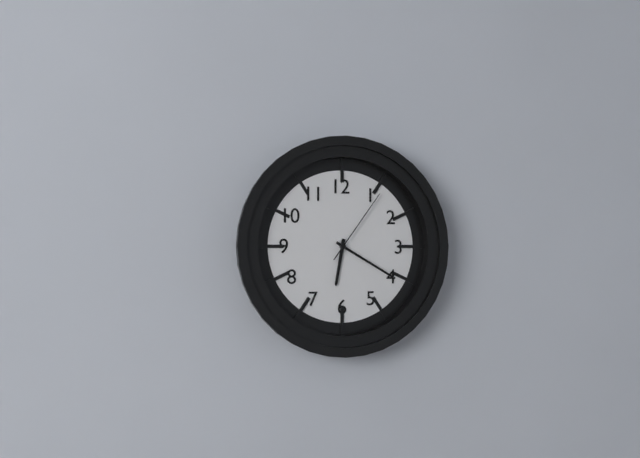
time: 6:20:06
